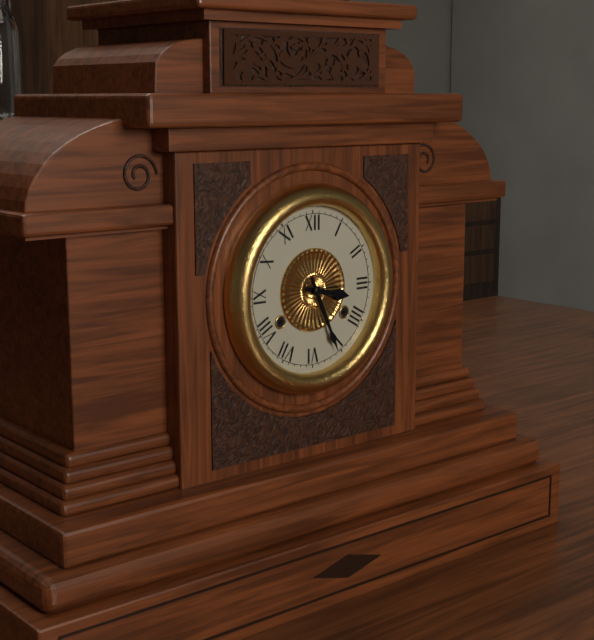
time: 3:26
